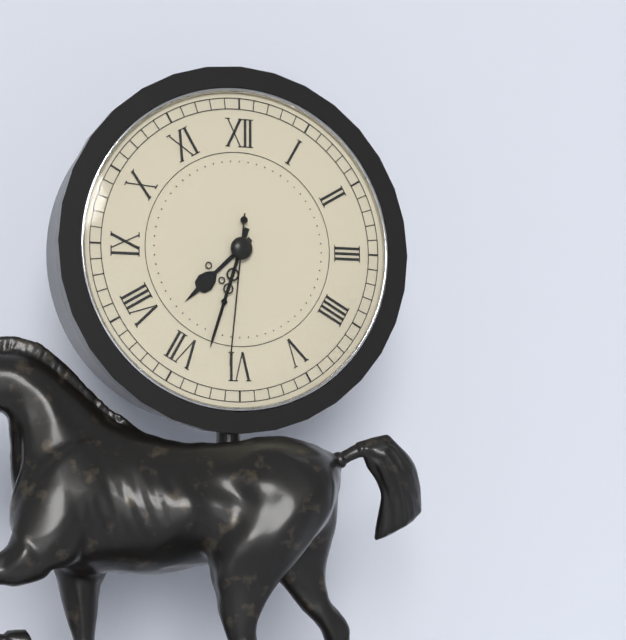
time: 7:33:31
